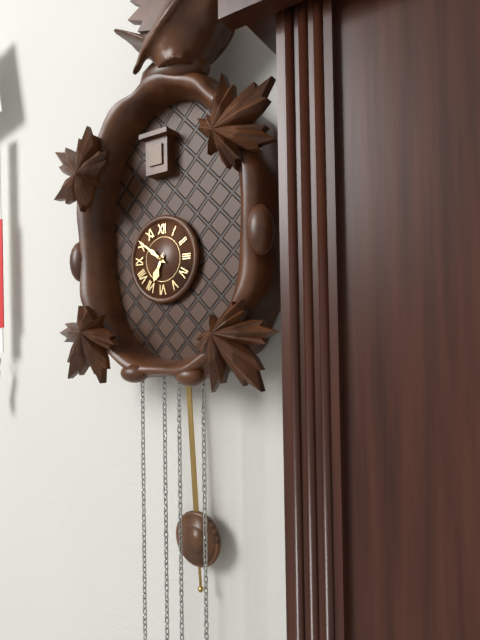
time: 6:51
